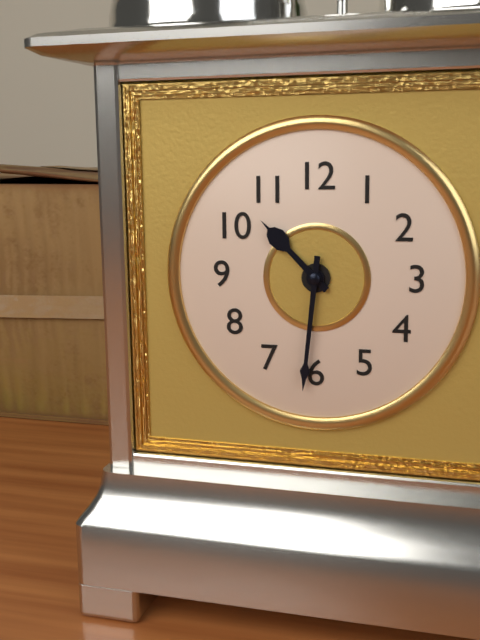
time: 10:31
